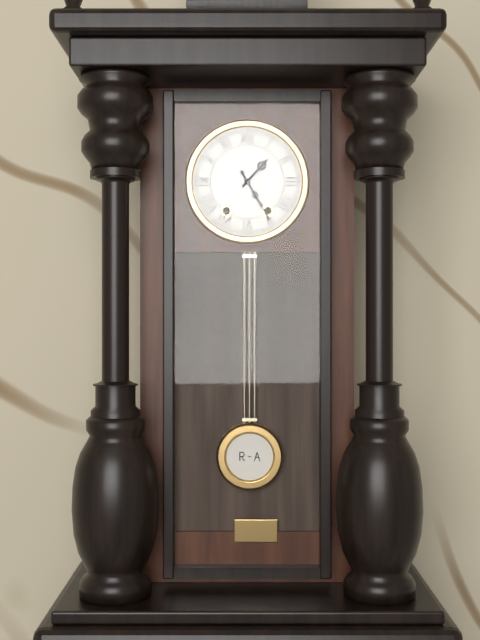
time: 1:25
